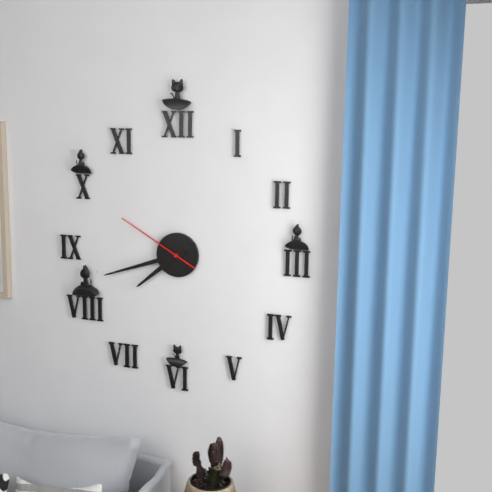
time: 7:42:50
